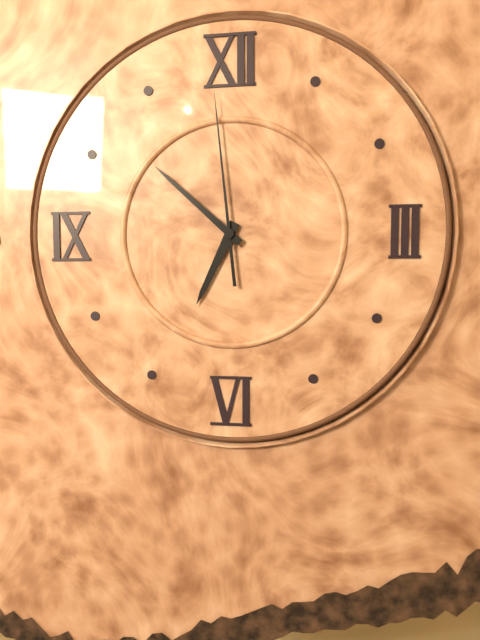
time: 6:52:59
